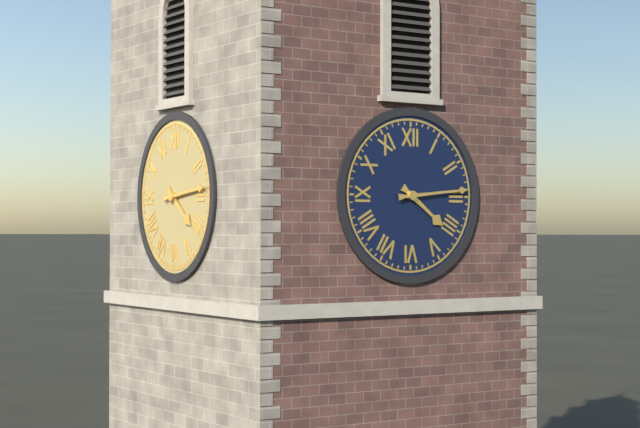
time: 4:14
